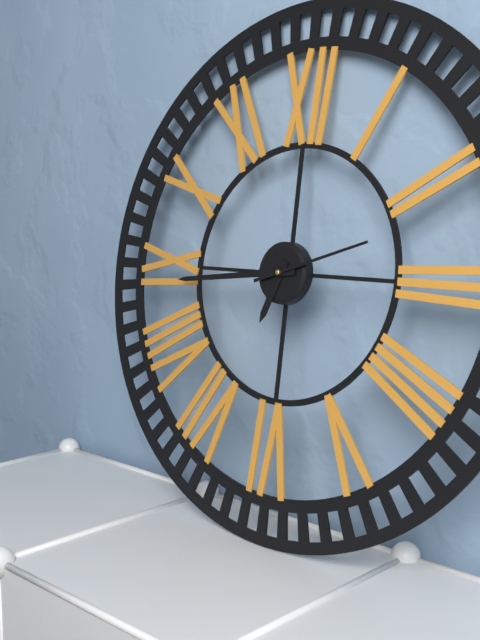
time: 6:44:12
